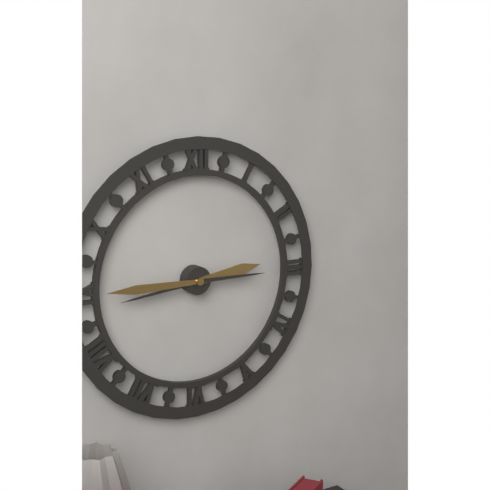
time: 2:45
